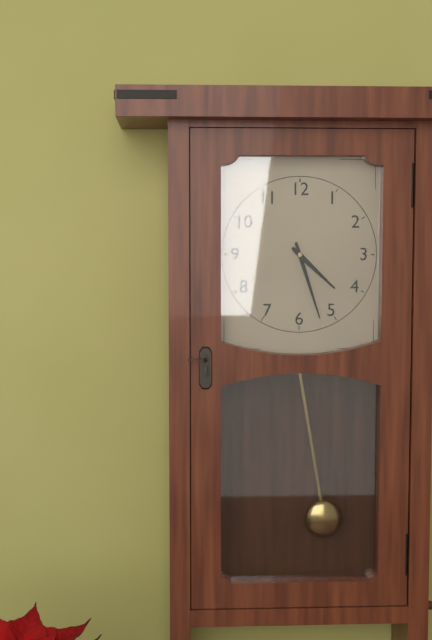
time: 4:27
